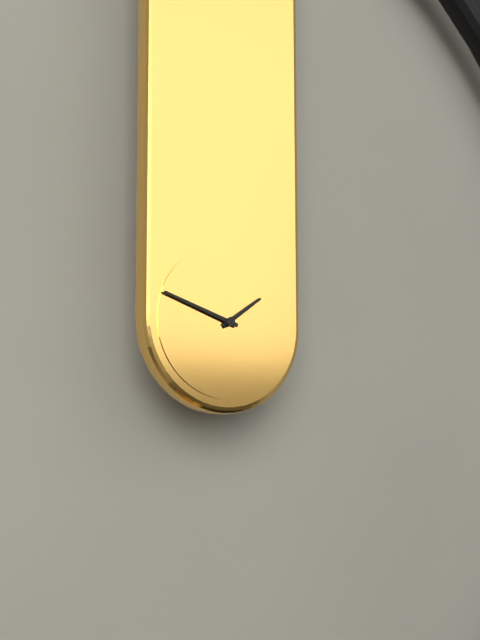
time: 1:48
